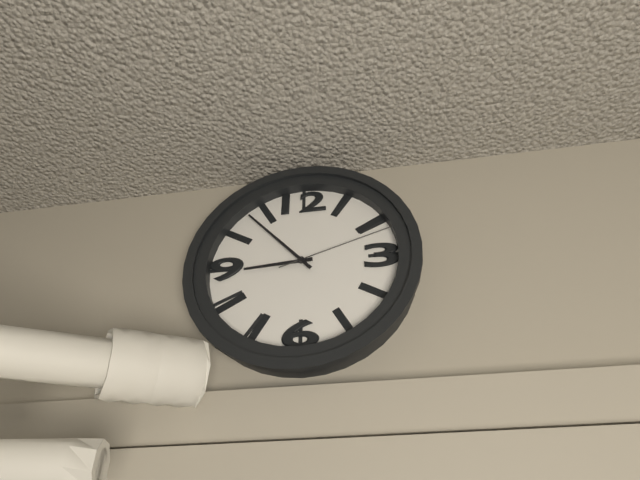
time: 8:53:12
